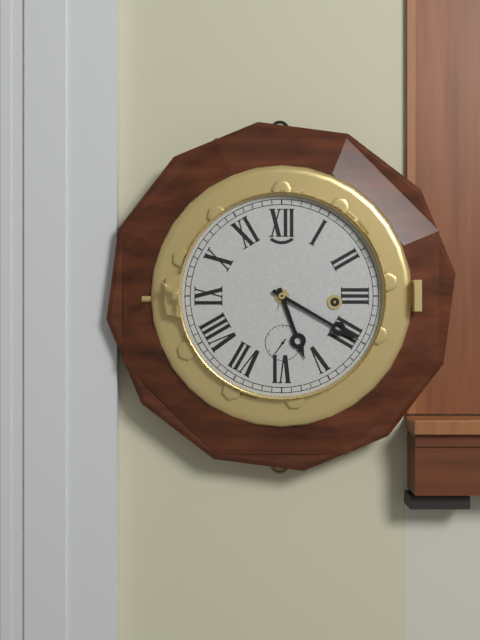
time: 5:20
